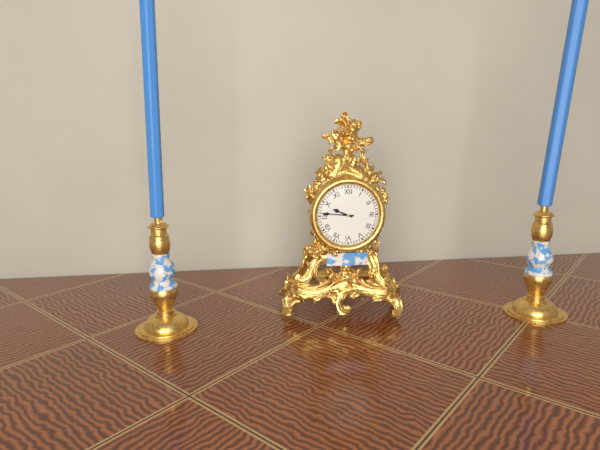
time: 9:46
